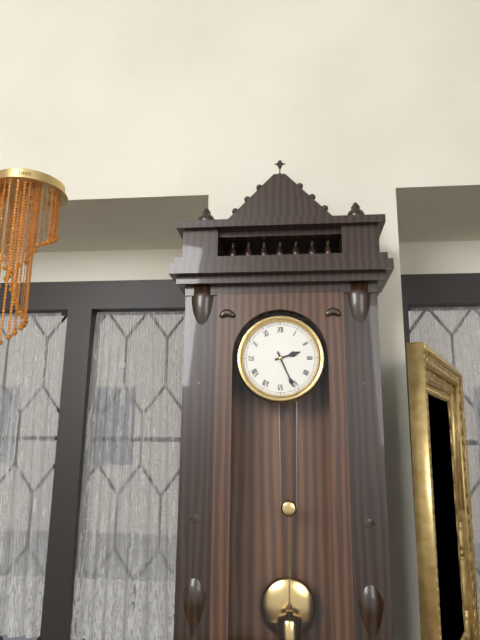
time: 2:26
